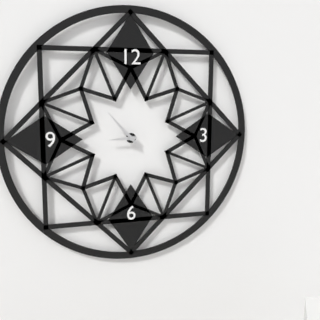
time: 8:53
